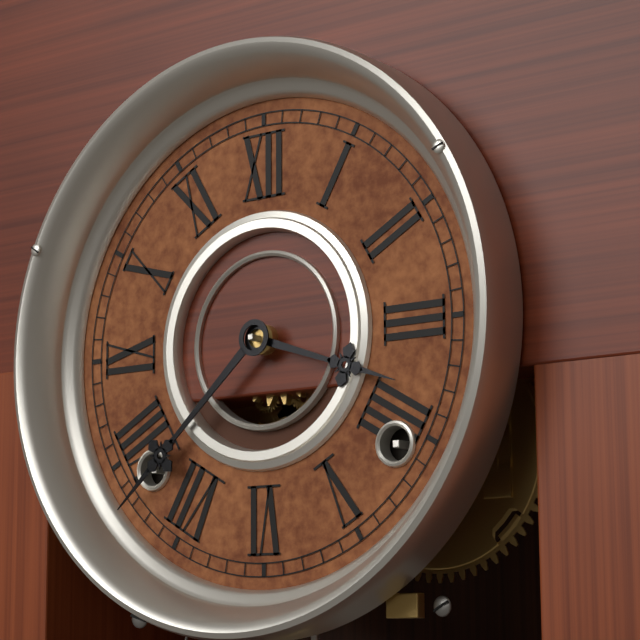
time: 3:38
